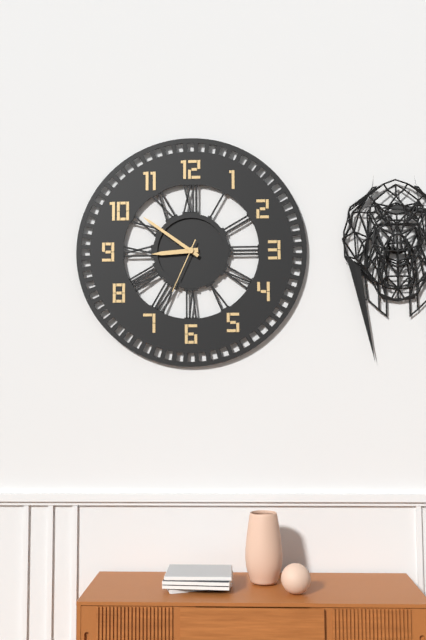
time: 8:51:34
